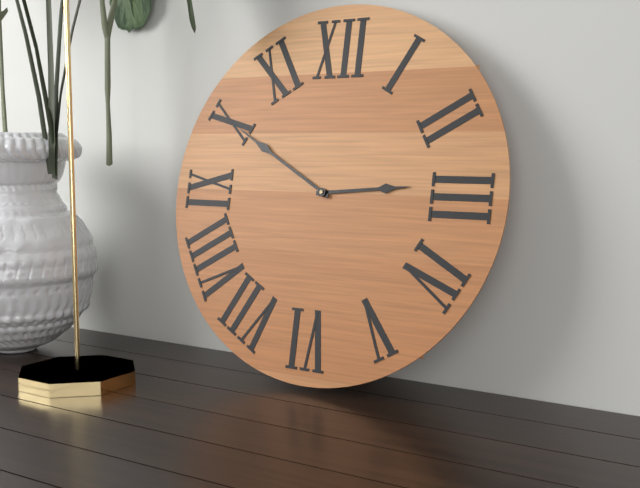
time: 2:50
